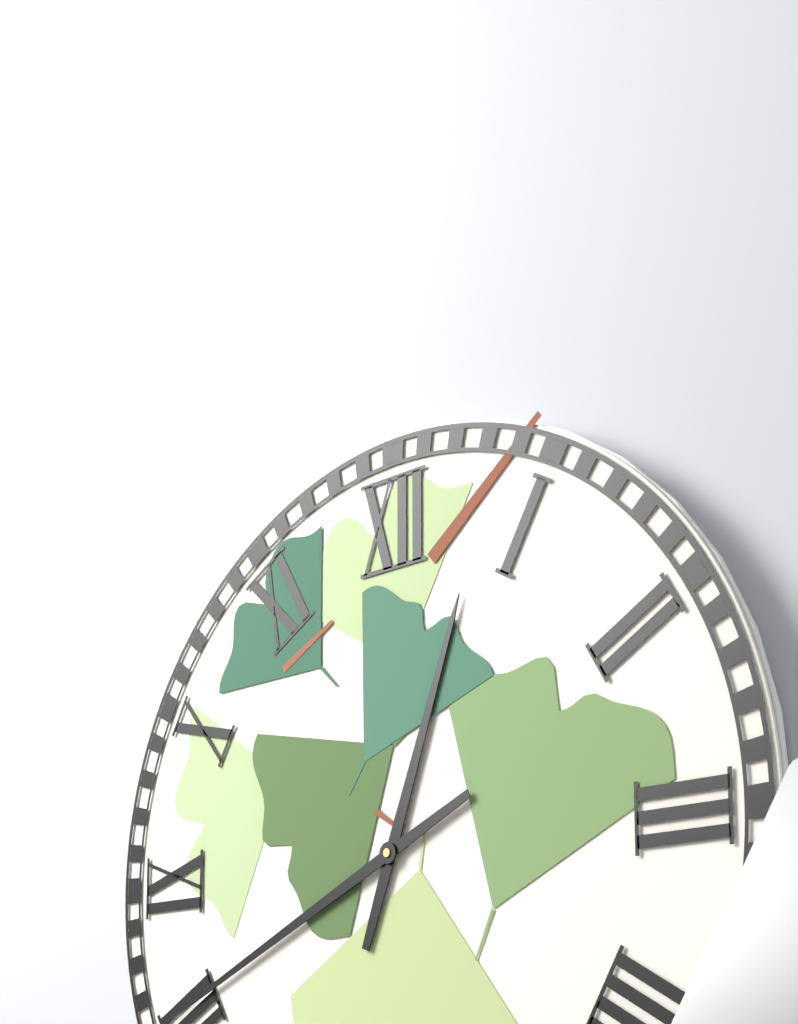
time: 12:41
